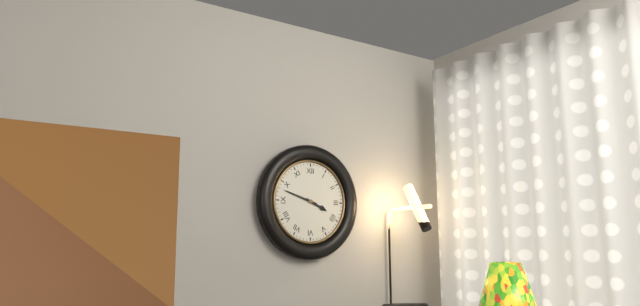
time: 3:48
